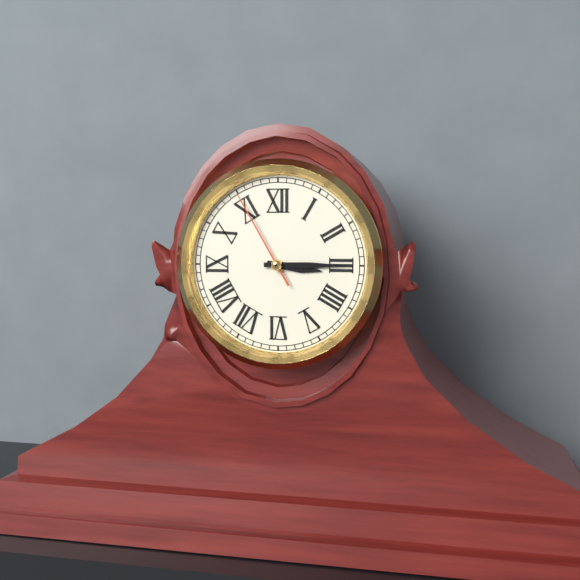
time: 3:15:55
